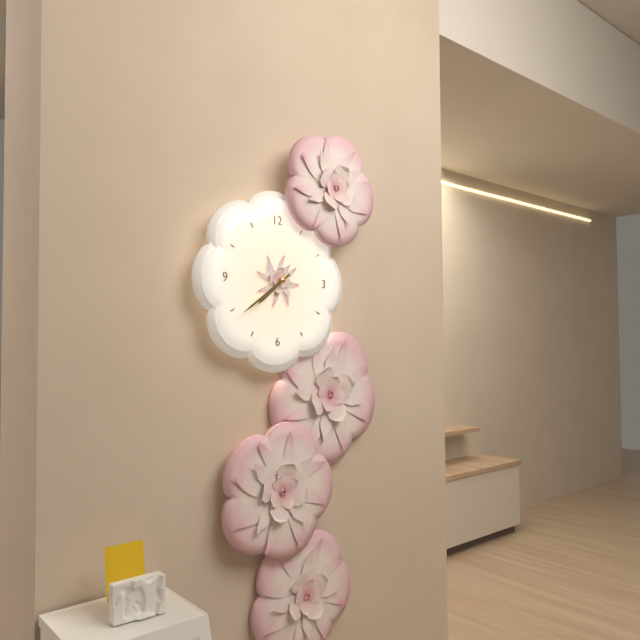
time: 7:39
